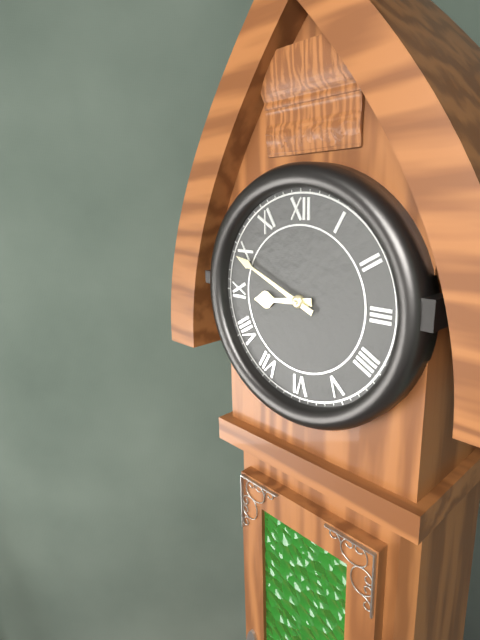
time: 8:49
